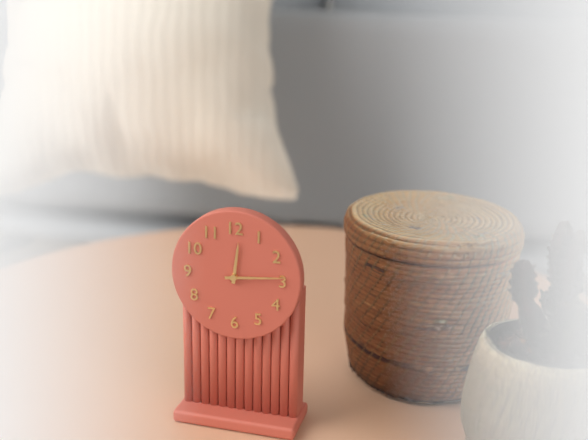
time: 12:14
